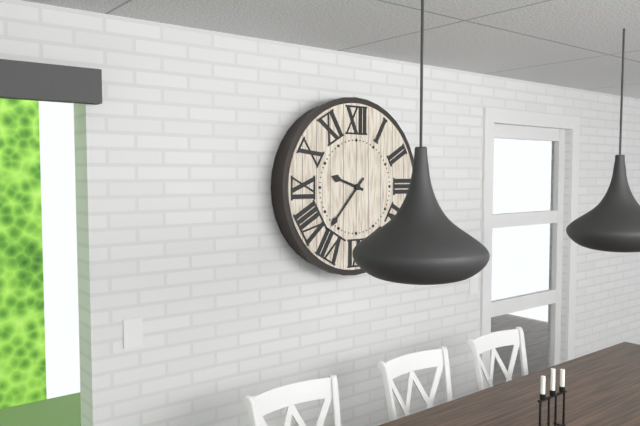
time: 9:37
